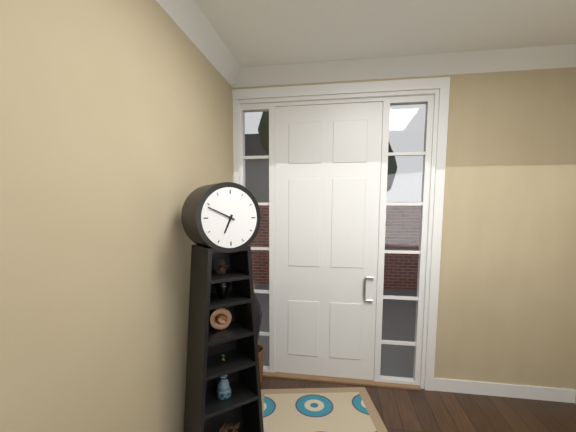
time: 6:49
